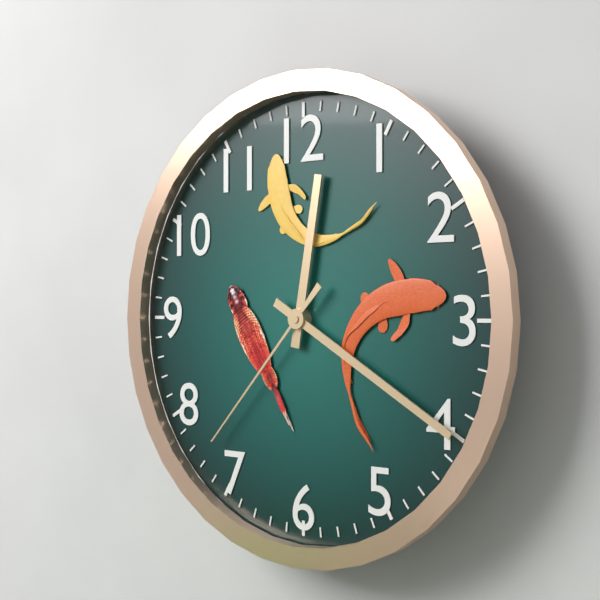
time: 12:20:37
